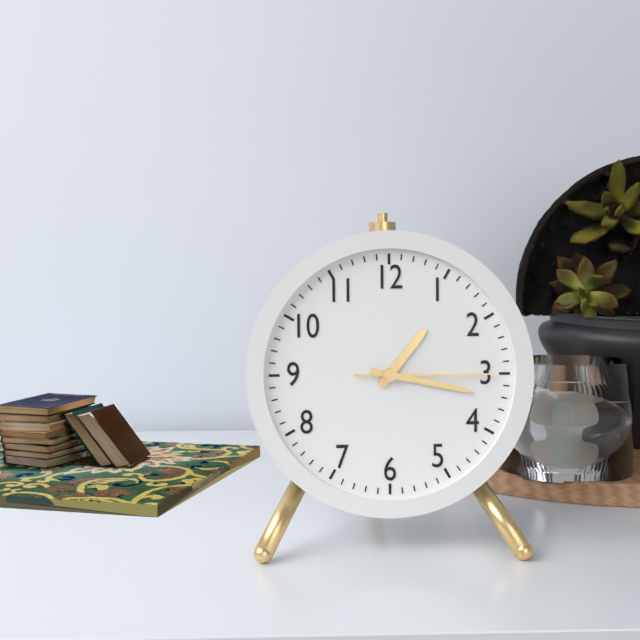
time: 1:17:15
